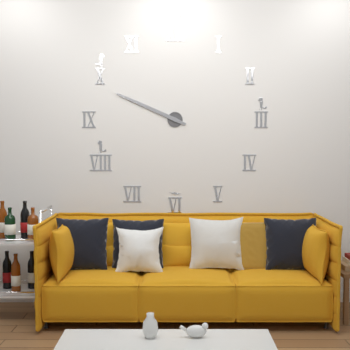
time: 9:49
